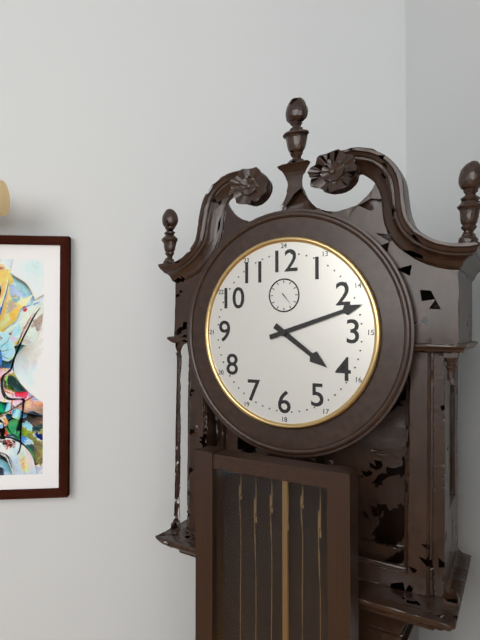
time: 4:12
